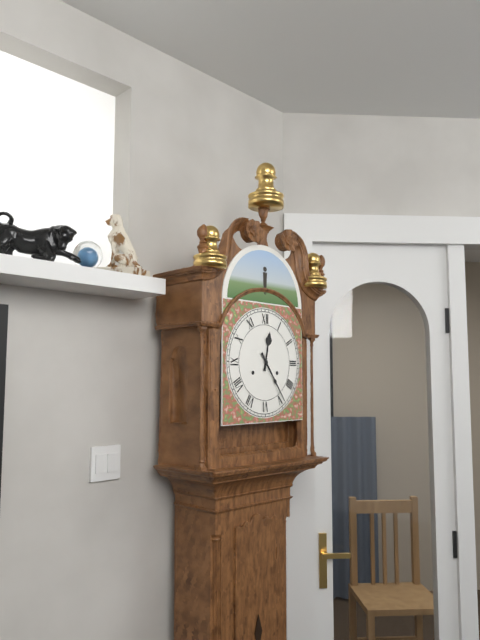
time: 12:24
